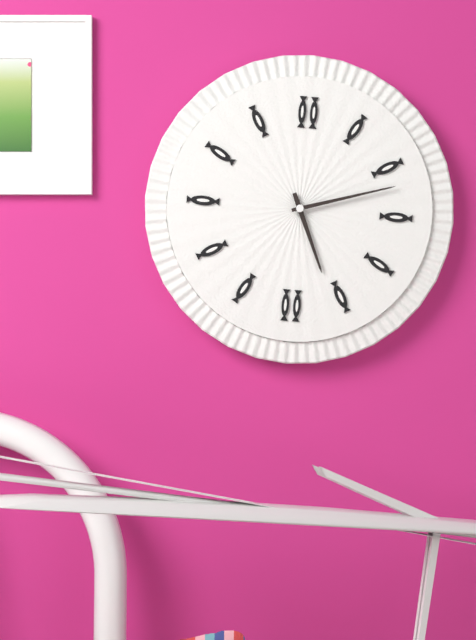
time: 5:12
